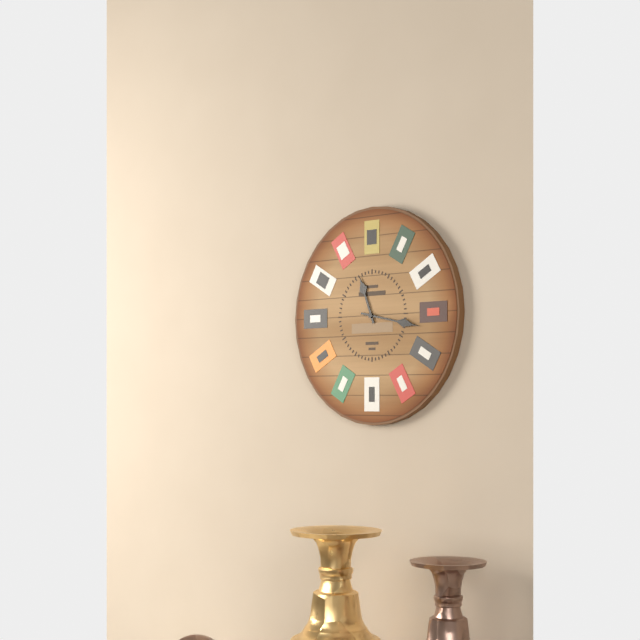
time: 11:17
